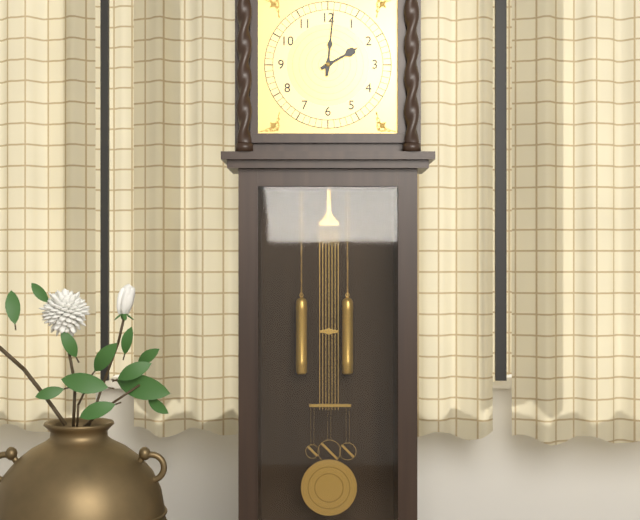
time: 2:01
